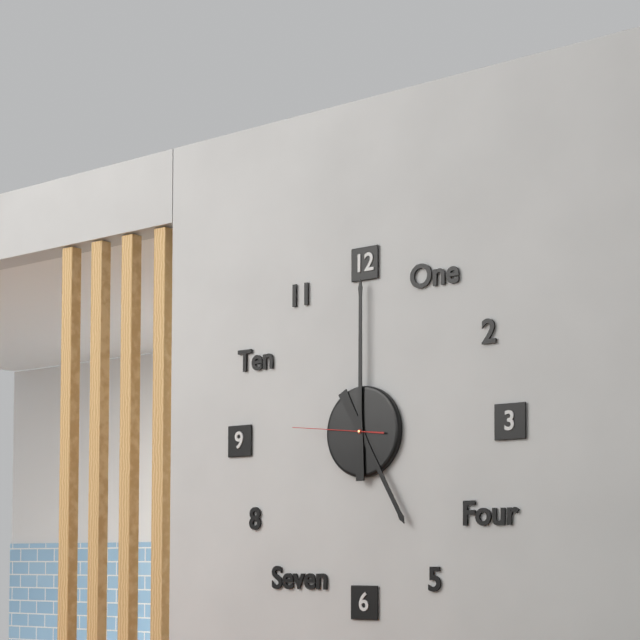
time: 5:00:46
